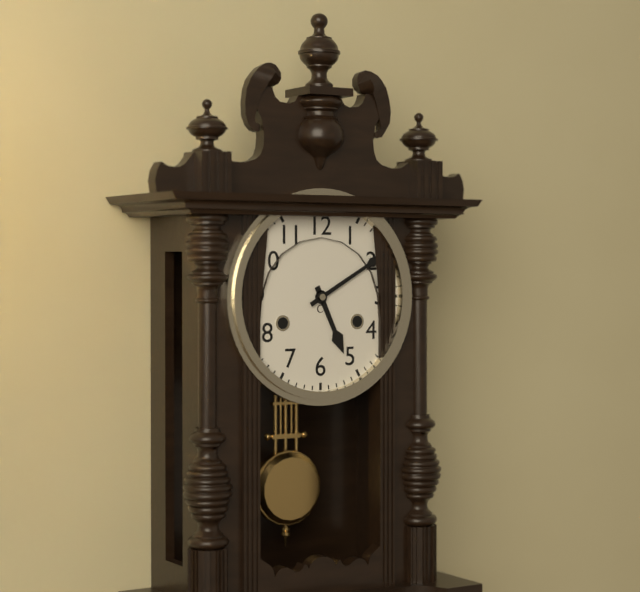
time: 5:10
